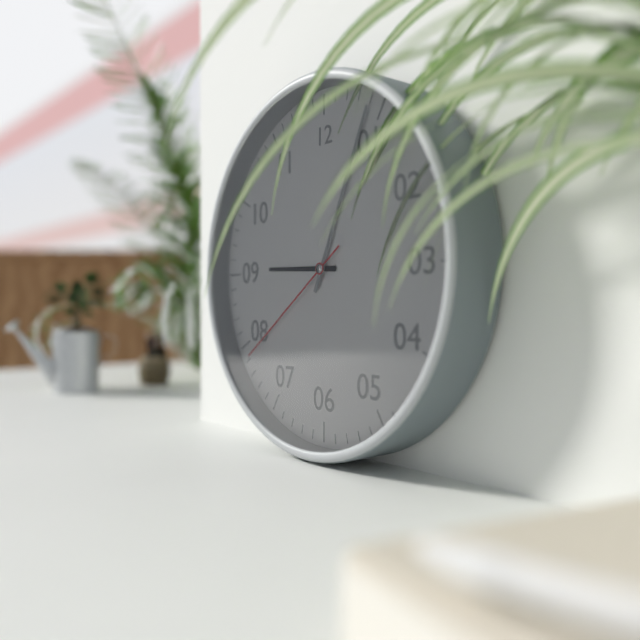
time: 9:04:39
